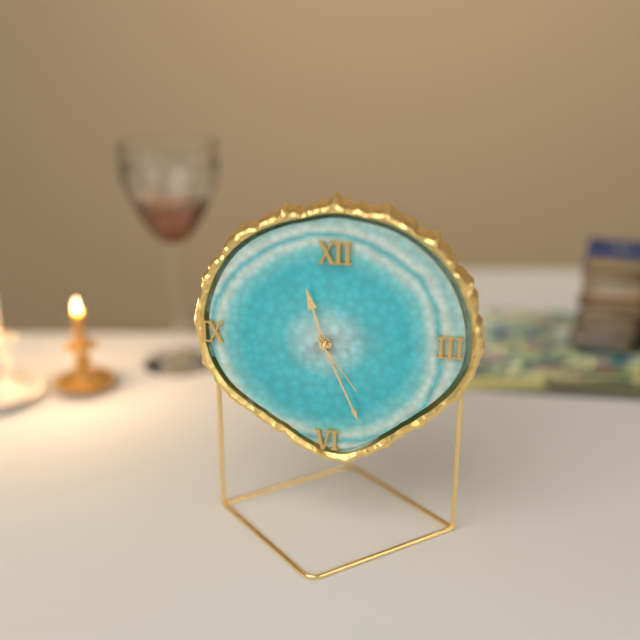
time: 11:26:24
